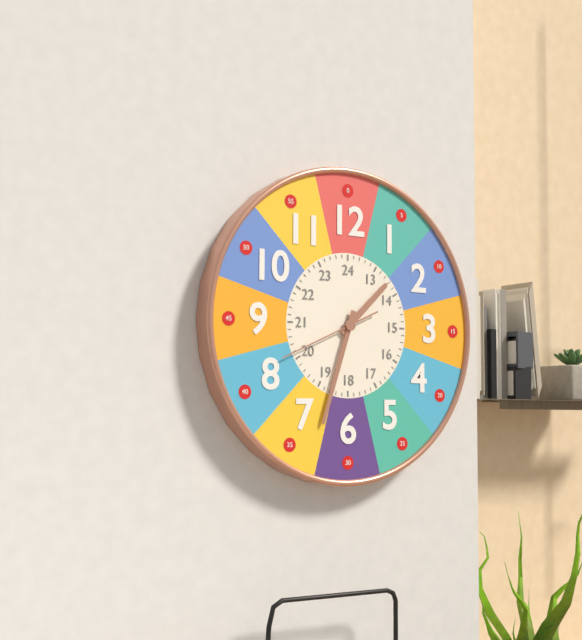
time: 1:33:41
